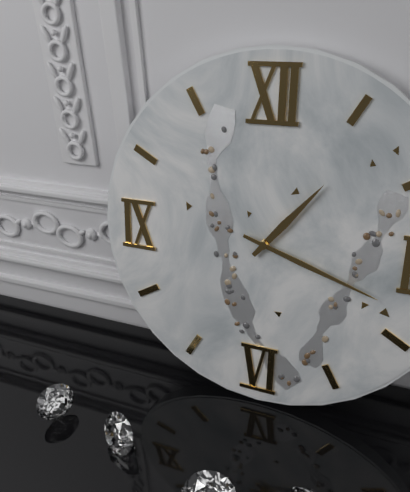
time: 1:18
